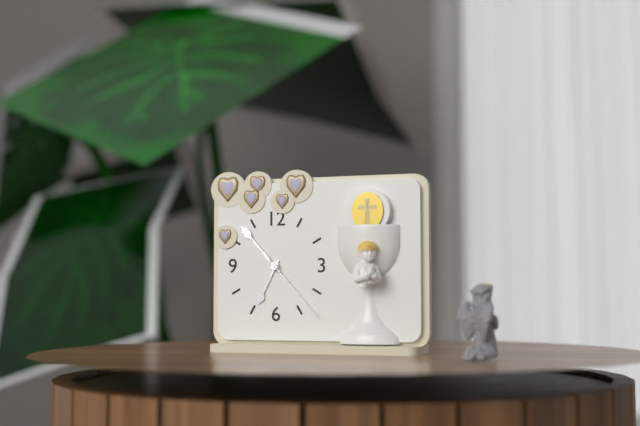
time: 6:53:23
